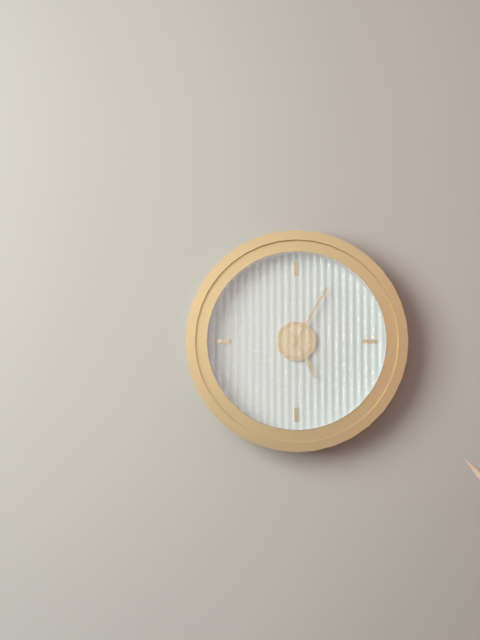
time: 5:05
